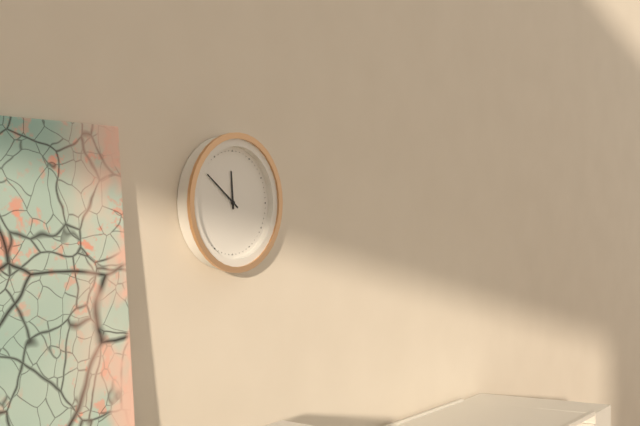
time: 11:51
